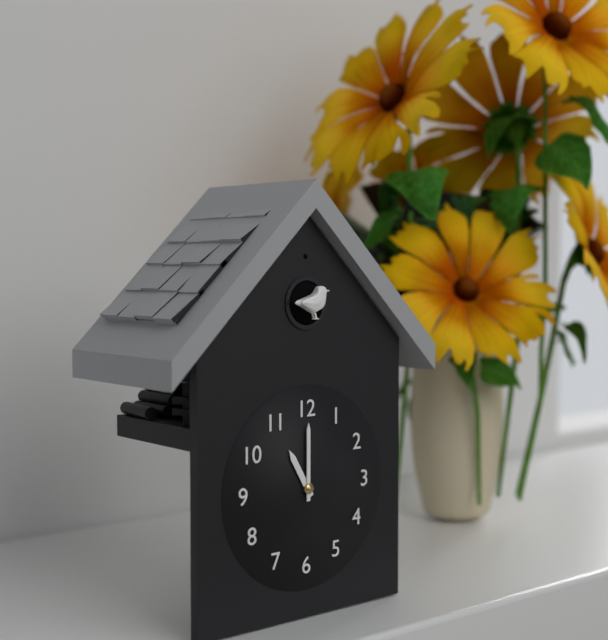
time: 11:00
